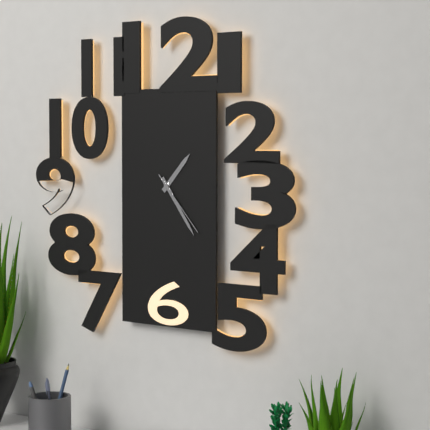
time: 1:24:23
